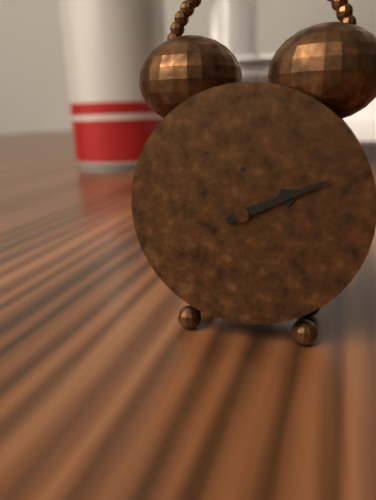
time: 2:11
